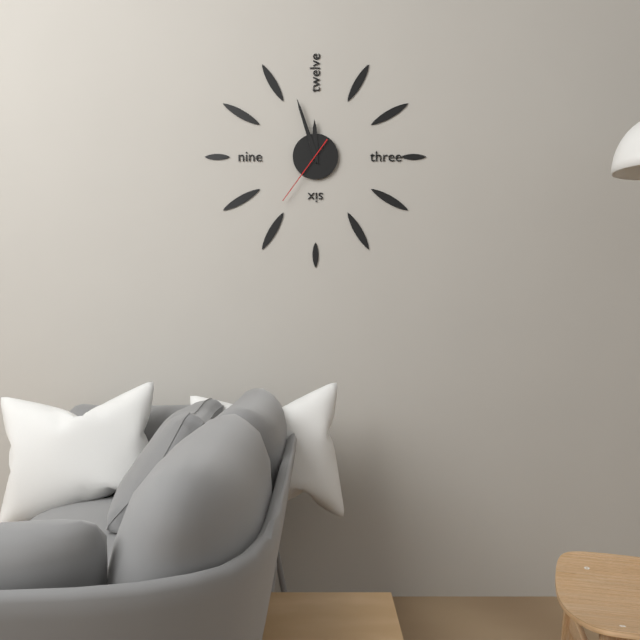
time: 11:57:36
